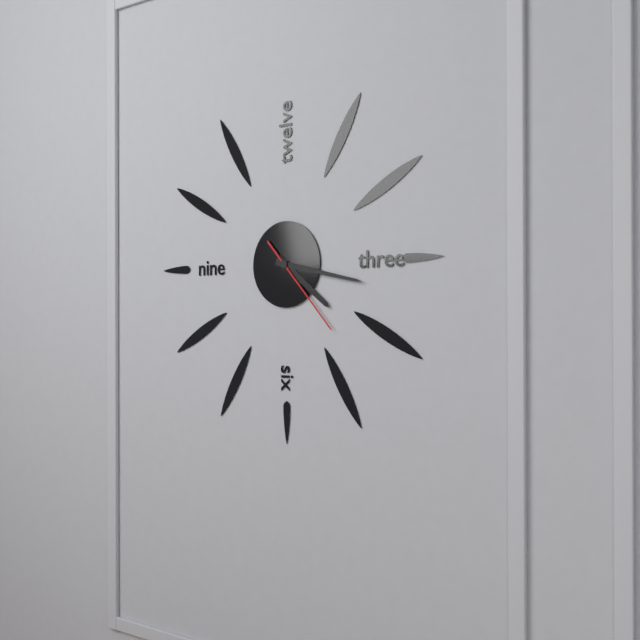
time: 4:17:23
